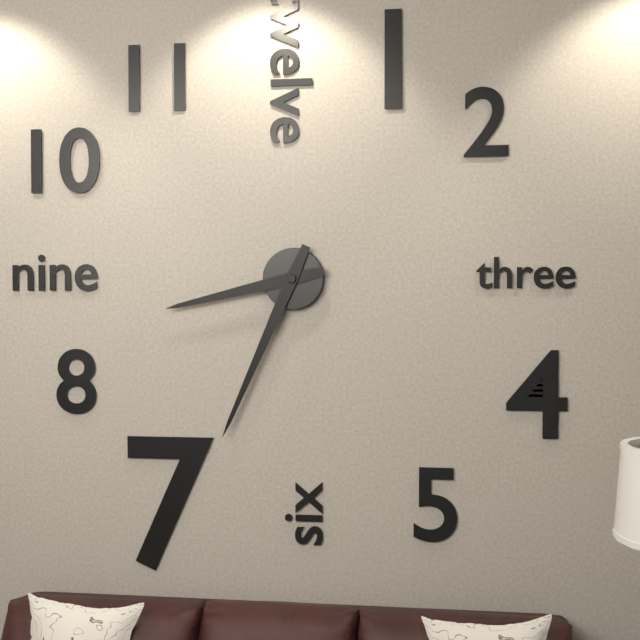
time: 8:34
